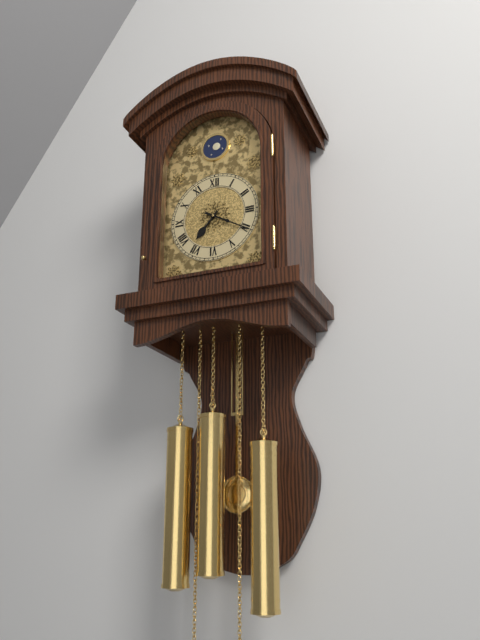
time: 7:20
